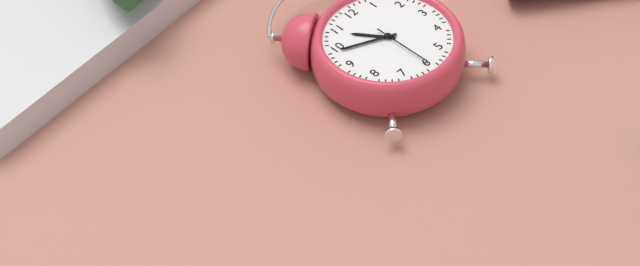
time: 10:49:30
